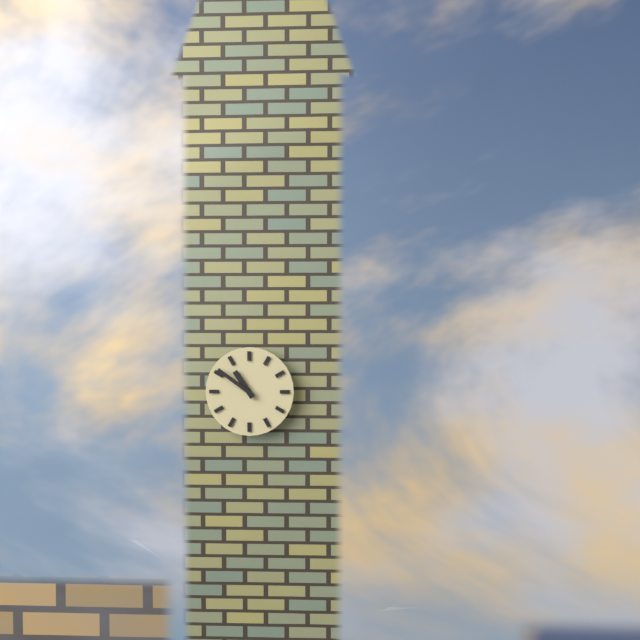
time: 10:51
